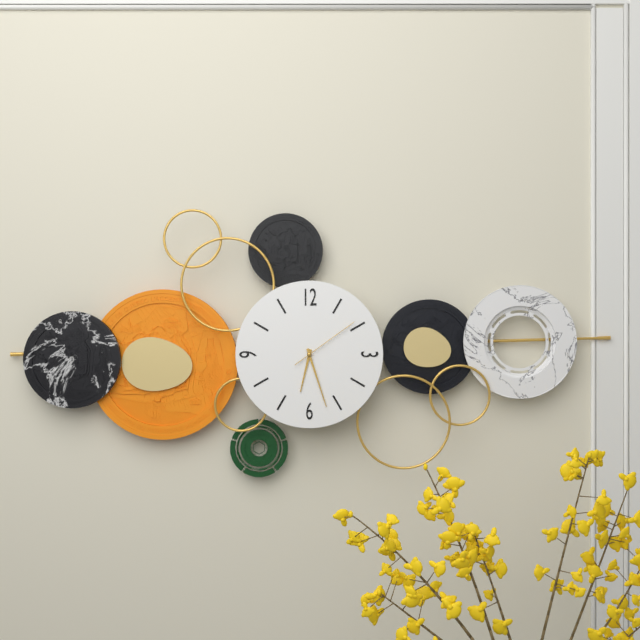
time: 6:27:09
